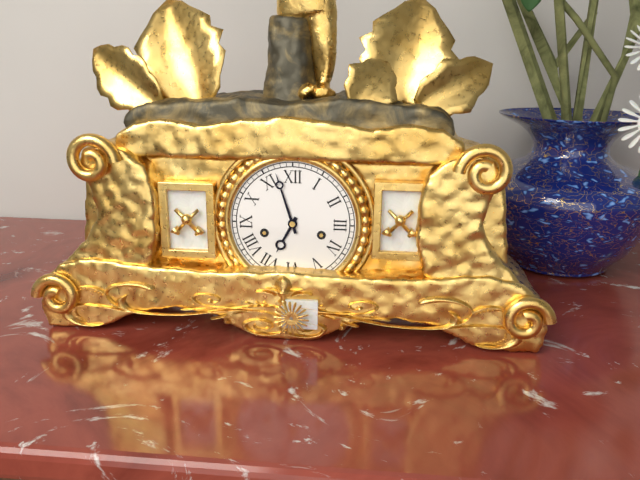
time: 6:57
